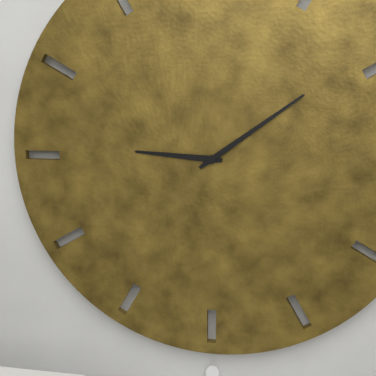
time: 9:09
